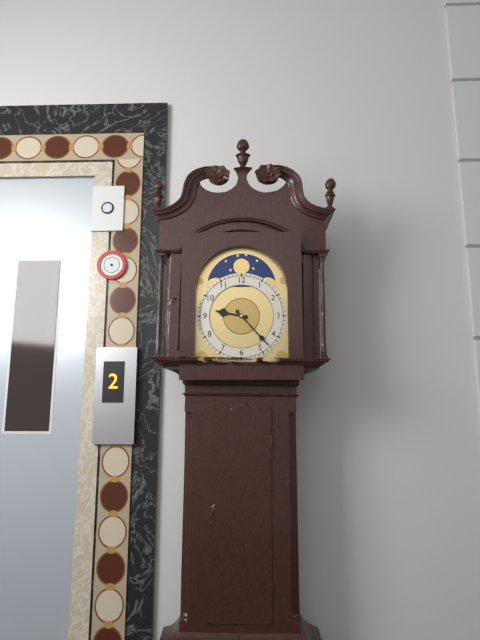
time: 9:23
